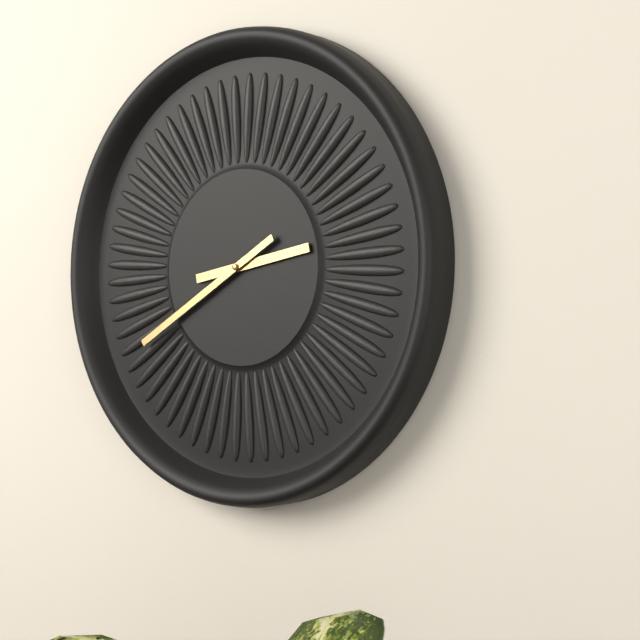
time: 2:40
